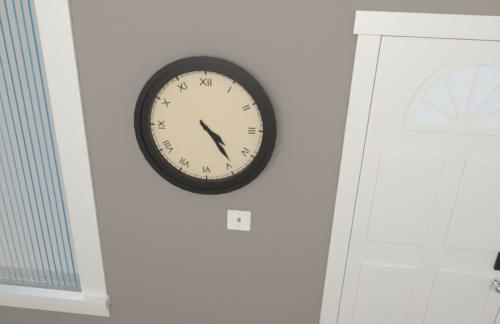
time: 4:24
